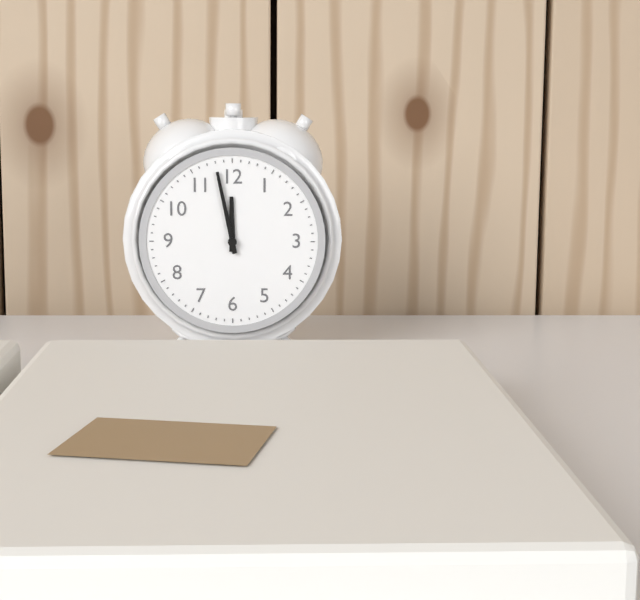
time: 11:58
